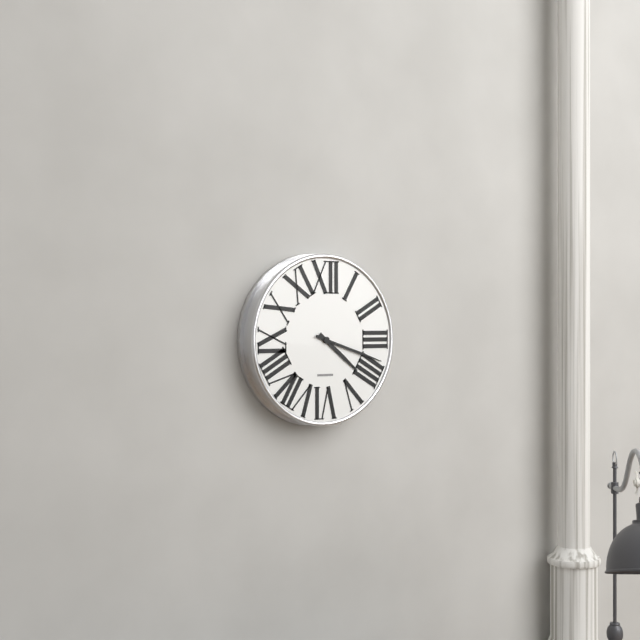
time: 4:18
